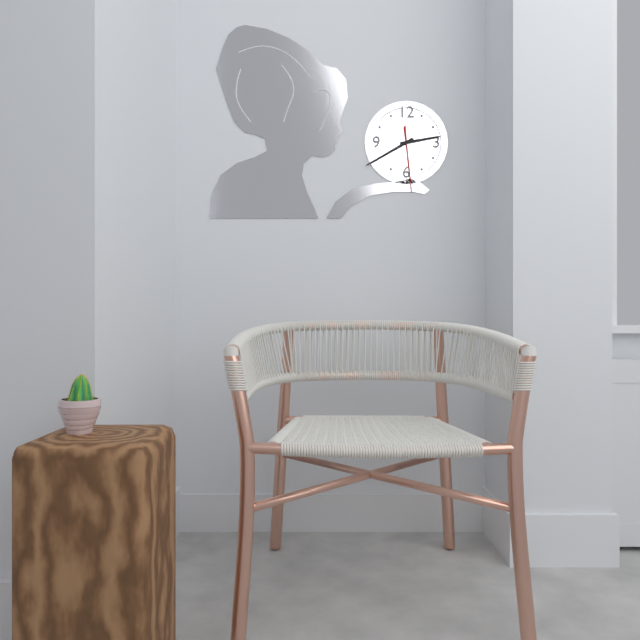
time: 2:40:29
